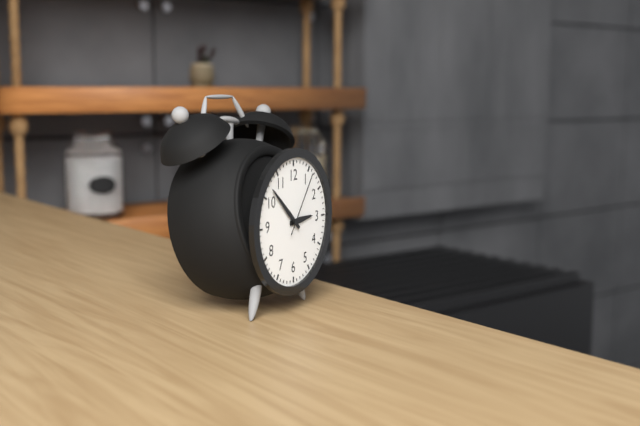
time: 2:52:06
